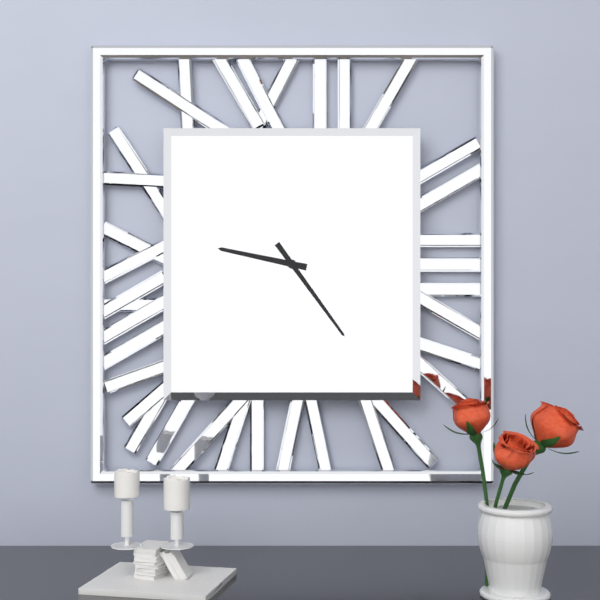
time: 9:24
